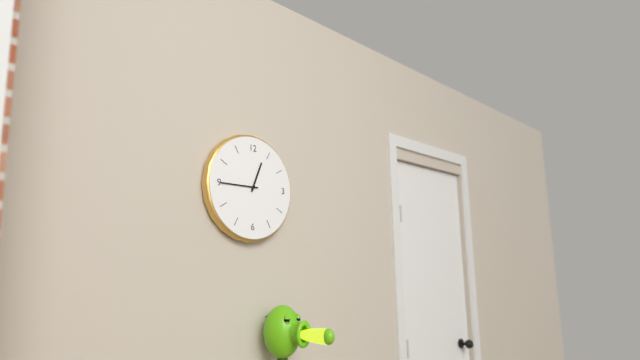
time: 12:45
